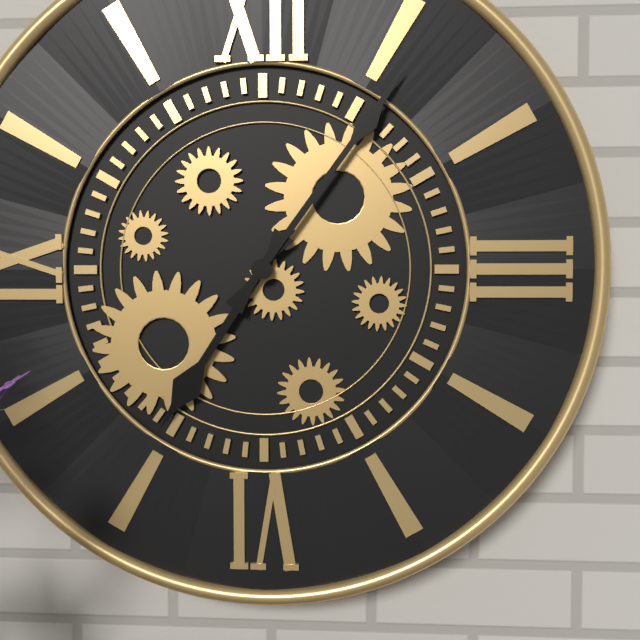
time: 7:06
